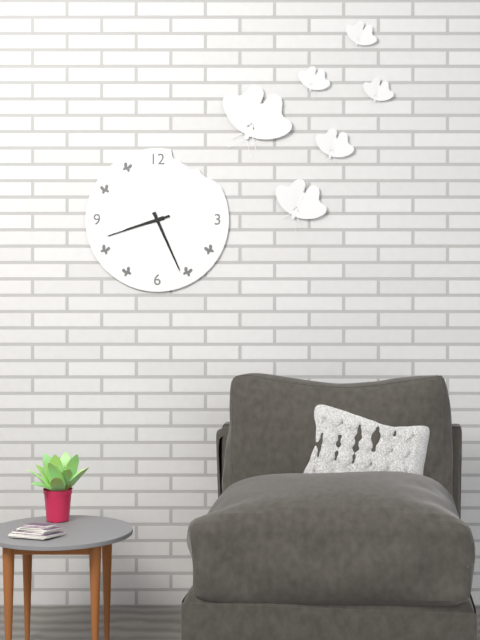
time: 8:26:42
